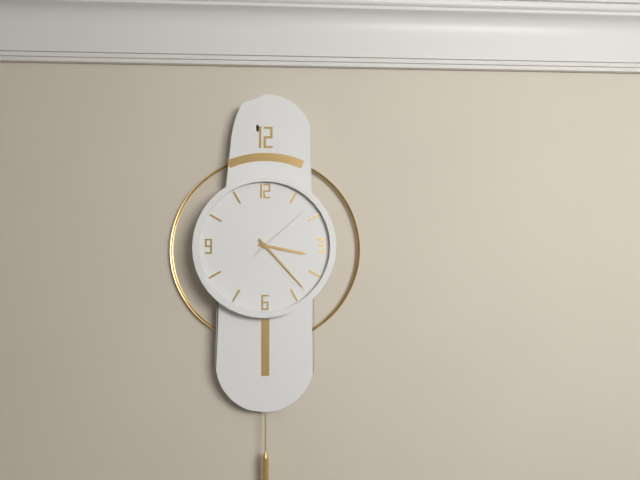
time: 3:23:08
